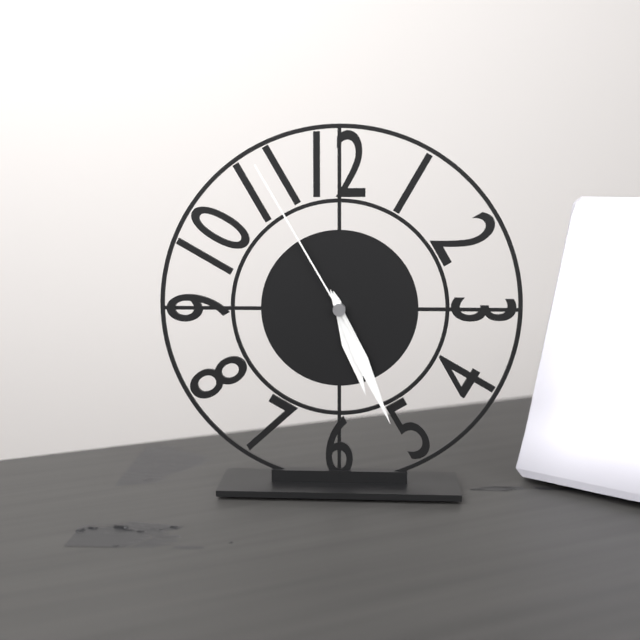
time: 5:26:55
